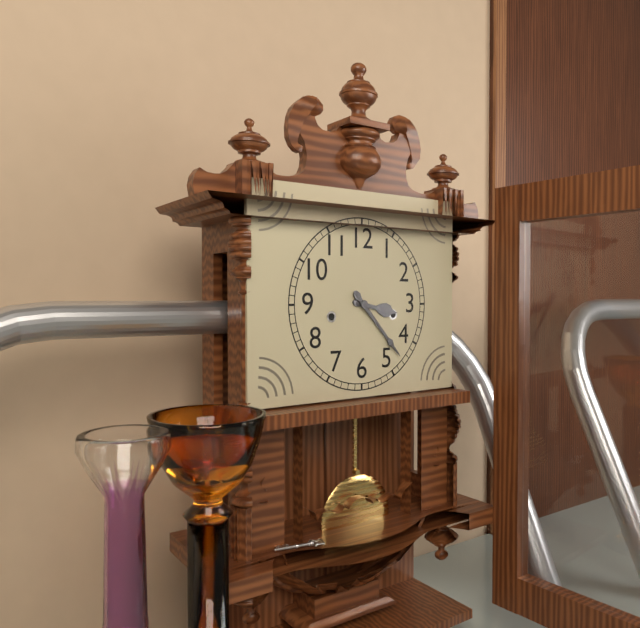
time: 3:23
